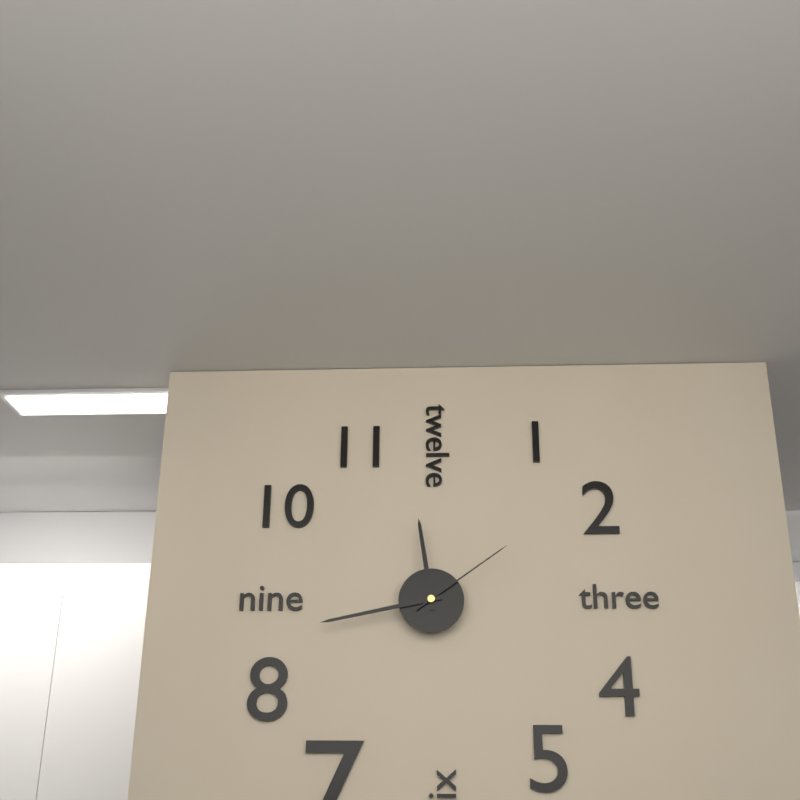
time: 11:43:09
